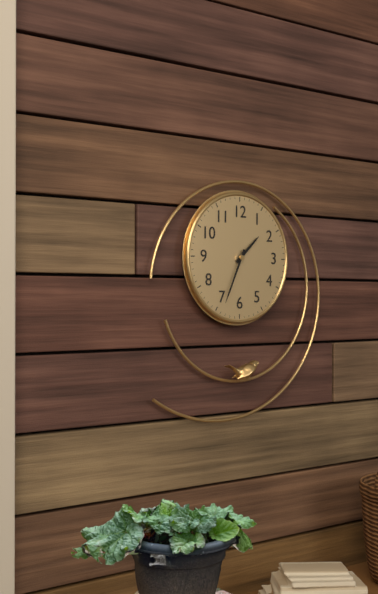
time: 1:34
